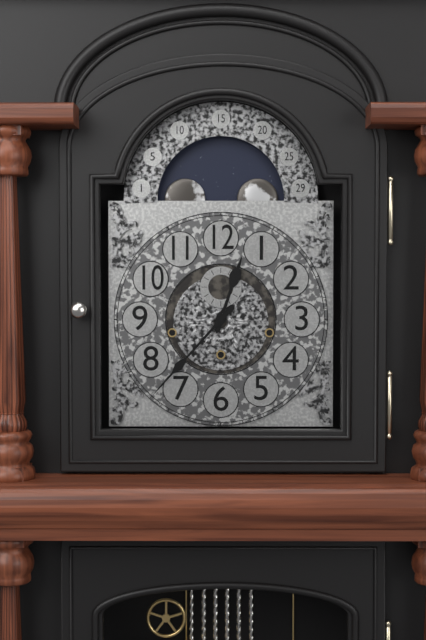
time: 12:37
